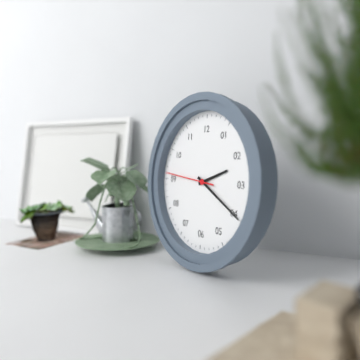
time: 2:20
